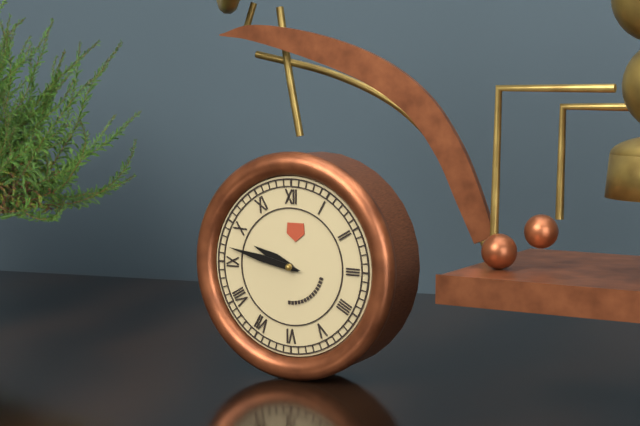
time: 9:47
